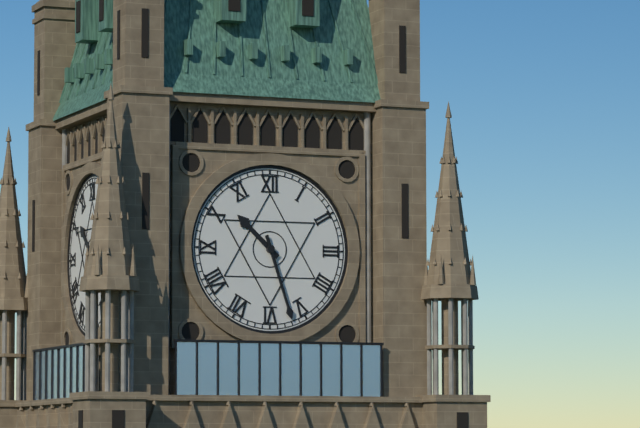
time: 10:27
